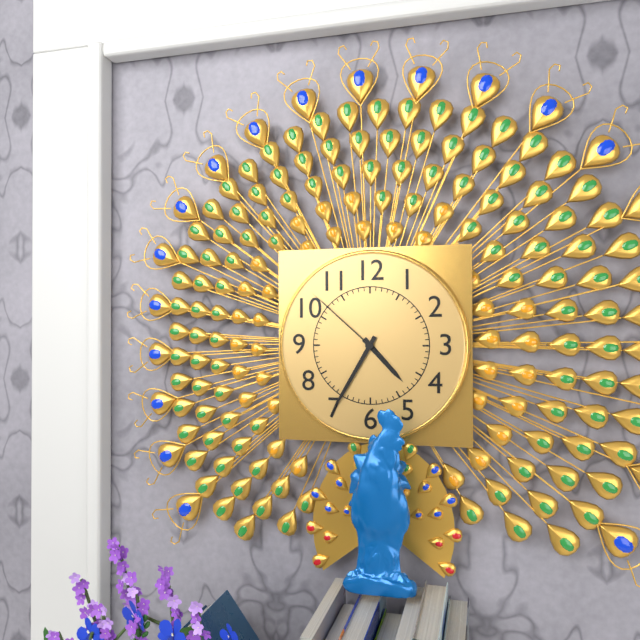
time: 4:35:52
